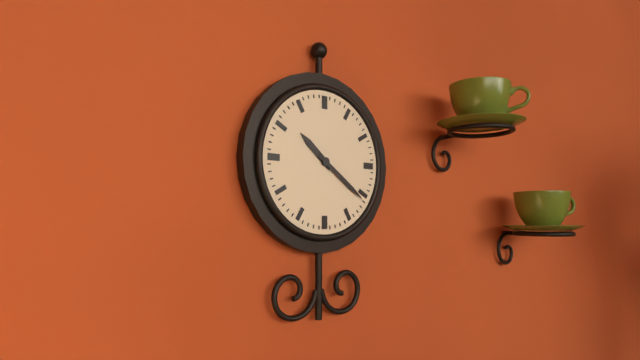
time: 10:21
